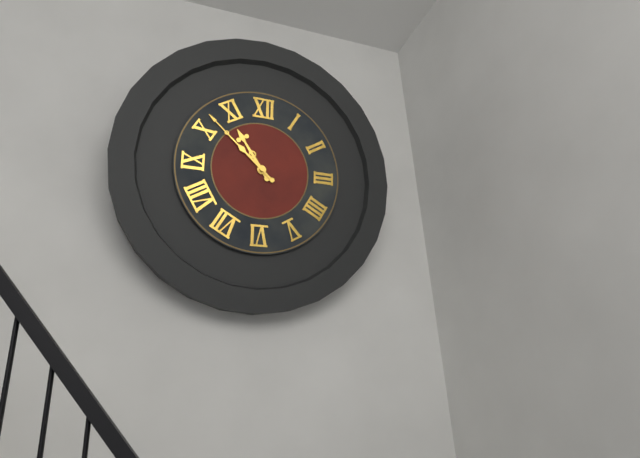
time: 10:52
